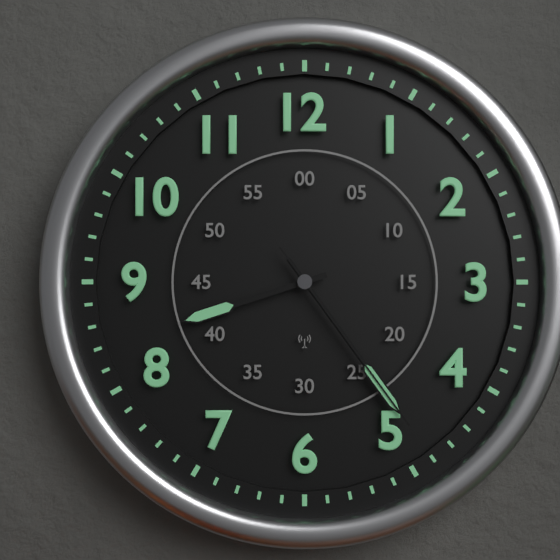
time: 8:24:24
